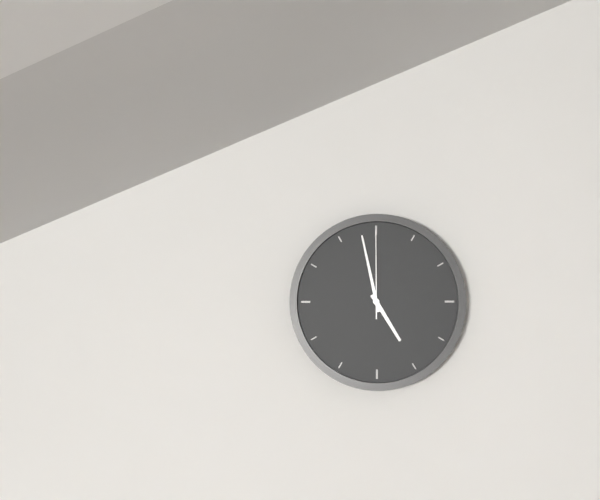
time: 4:58:00
